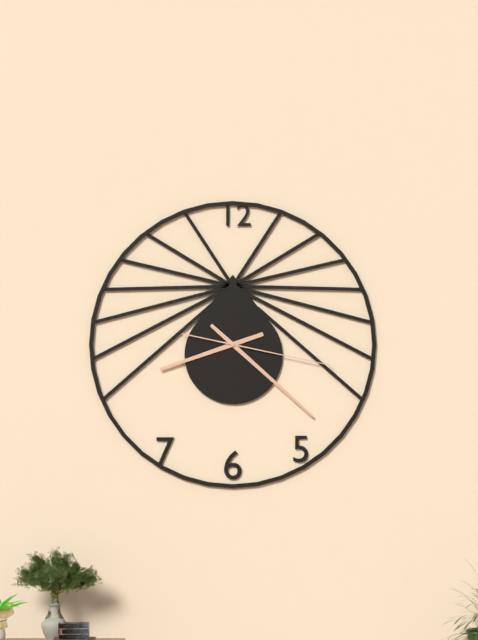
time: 8:22:17
